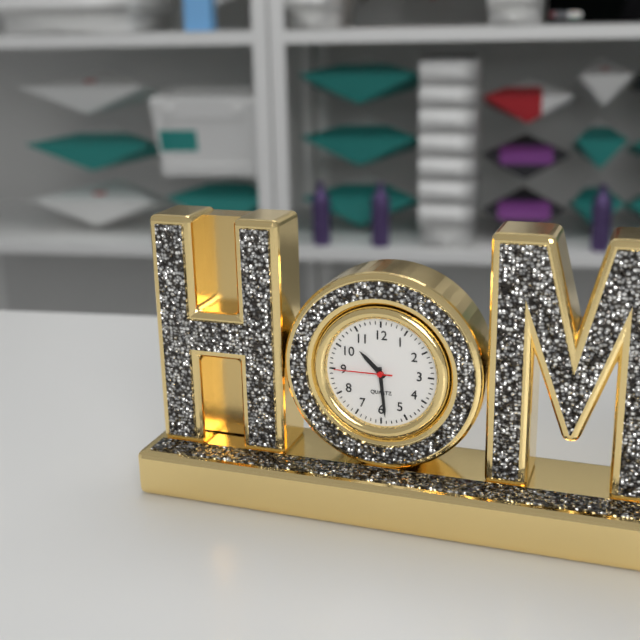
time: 10:29:45
